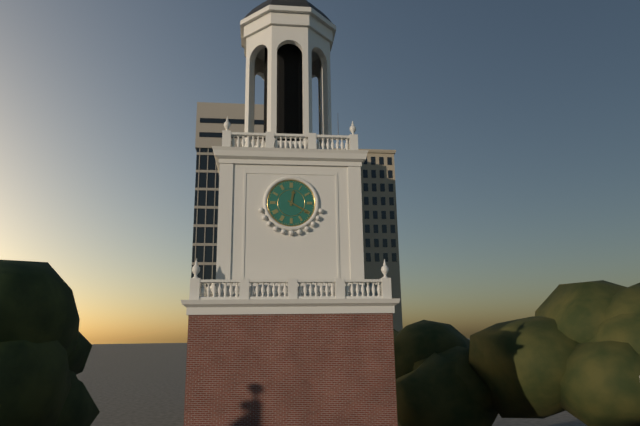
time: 12:20
